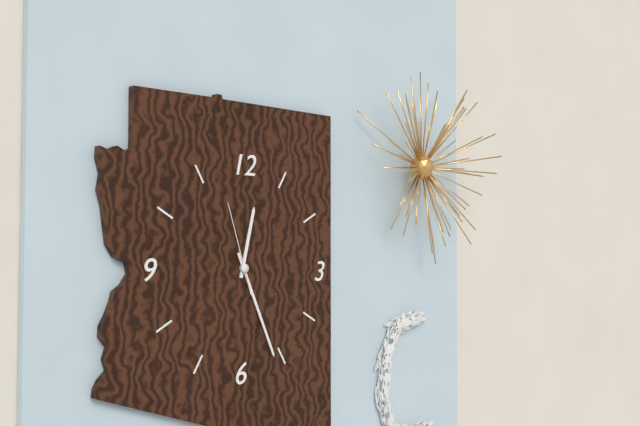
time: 12:26:57
